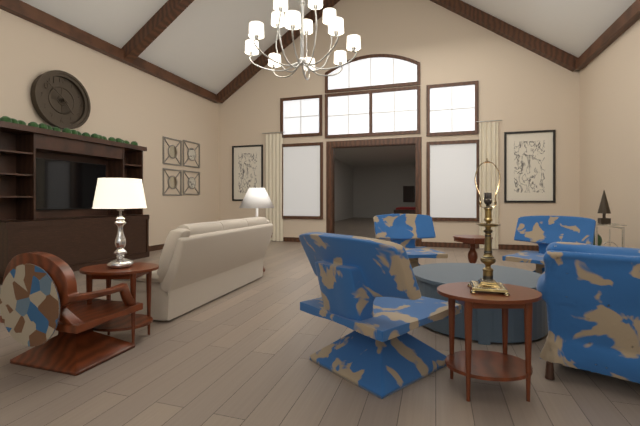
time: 4:51
